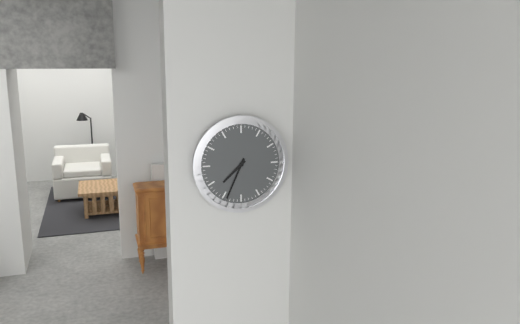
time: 7:34
